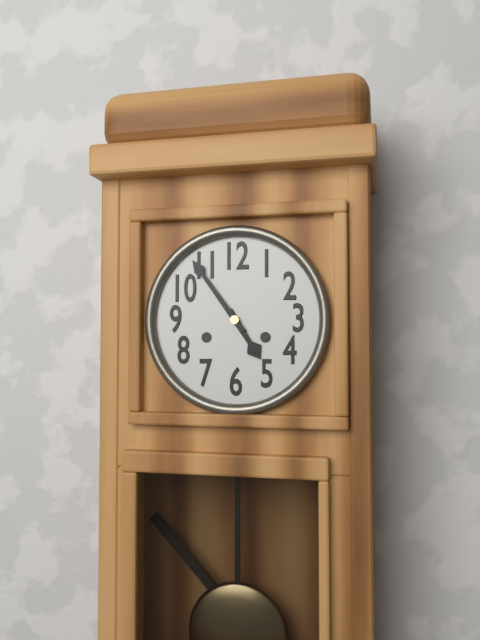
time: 4:54
